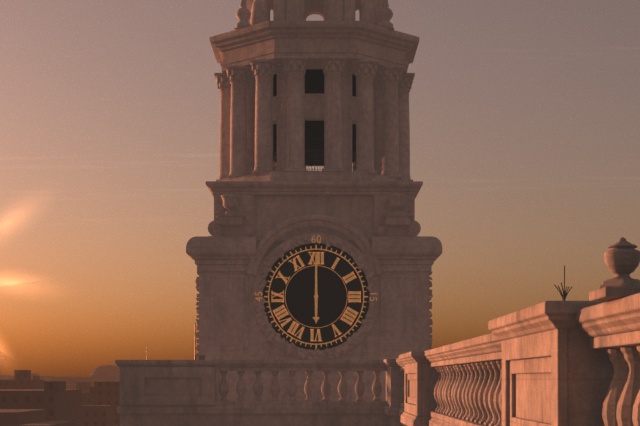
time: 6:00
